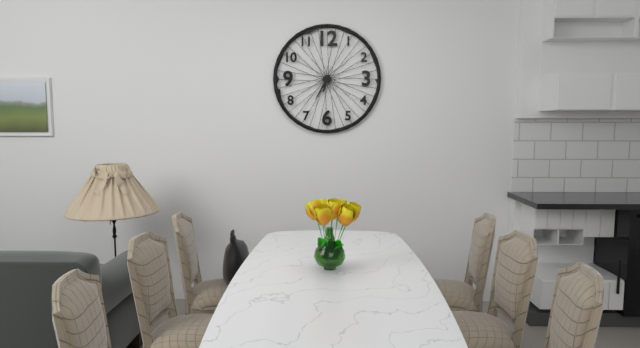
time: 6:35
